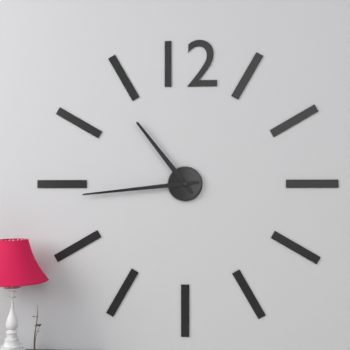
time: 10:44
